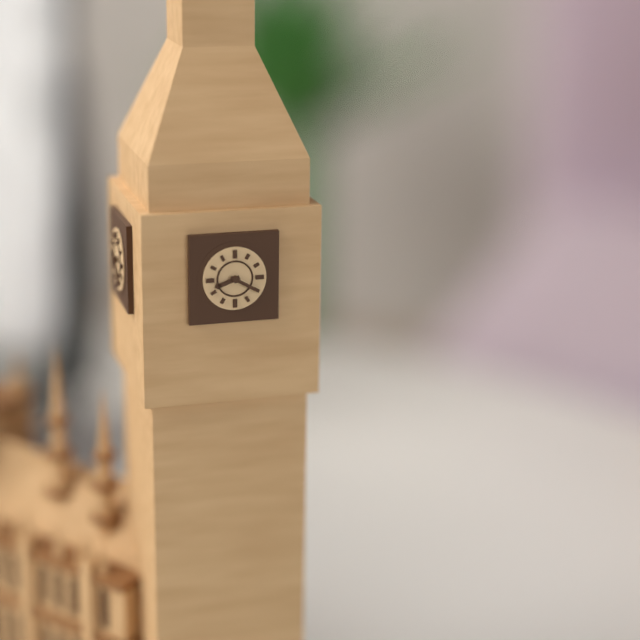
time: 8:20
